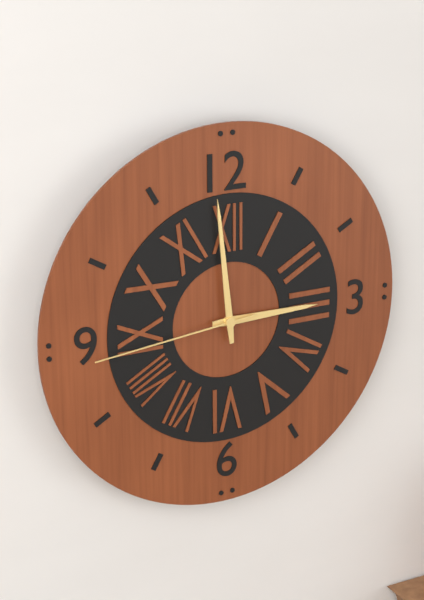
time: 2:59:44
